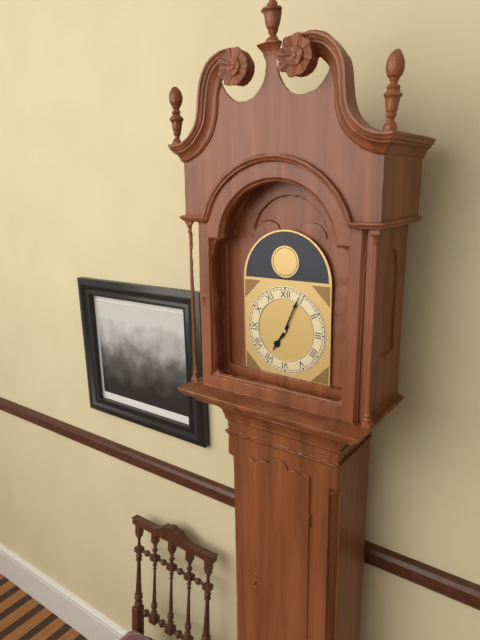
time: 7:04
